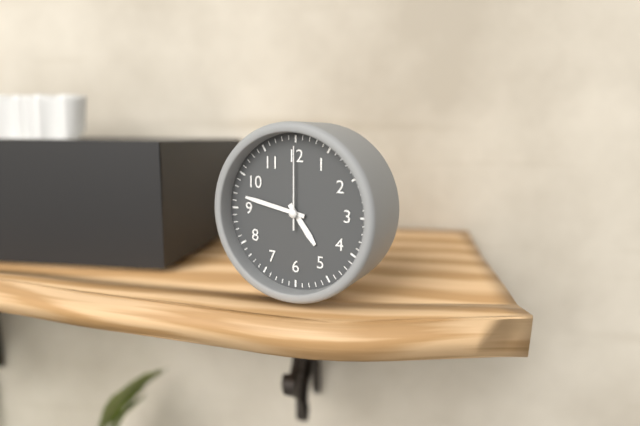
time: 4:47:00
